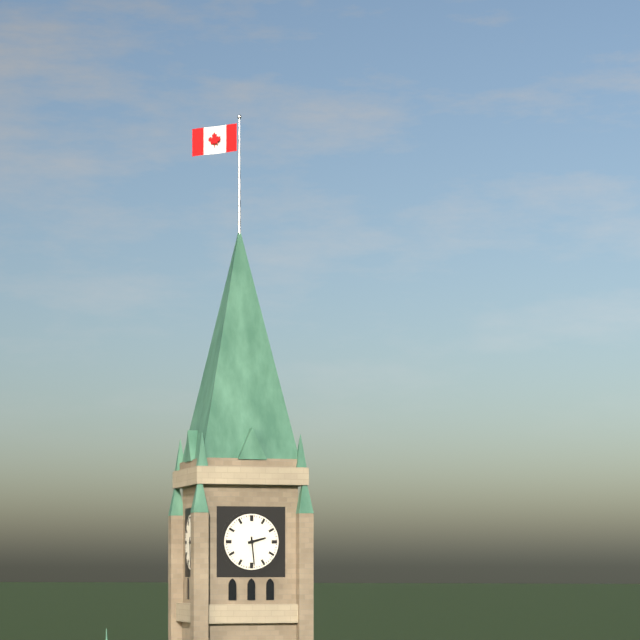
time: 2:29
